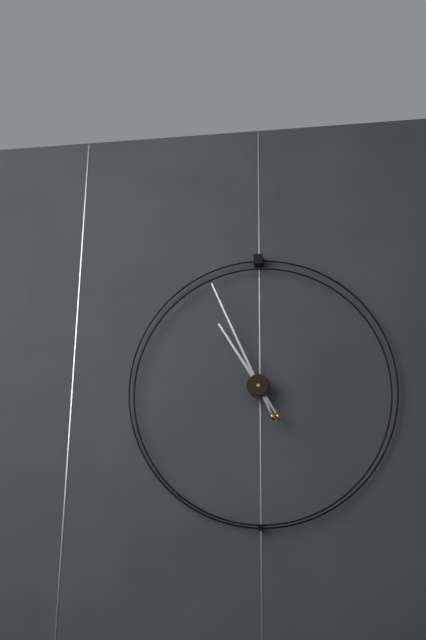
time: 10:56
